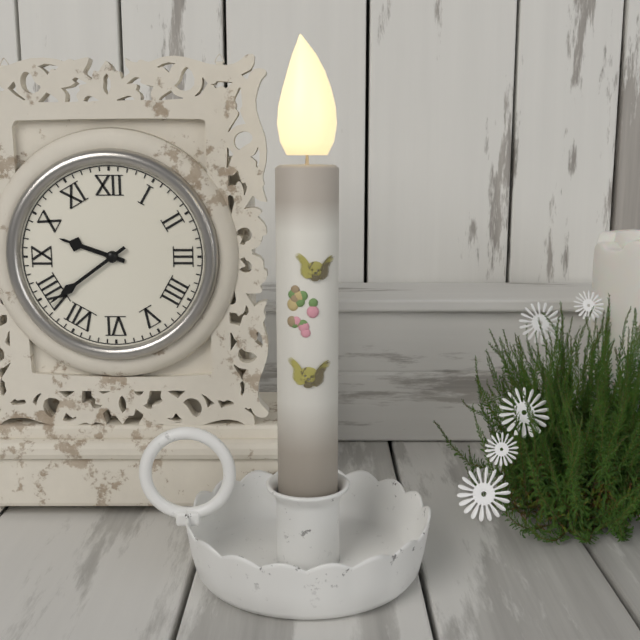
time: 9:39
